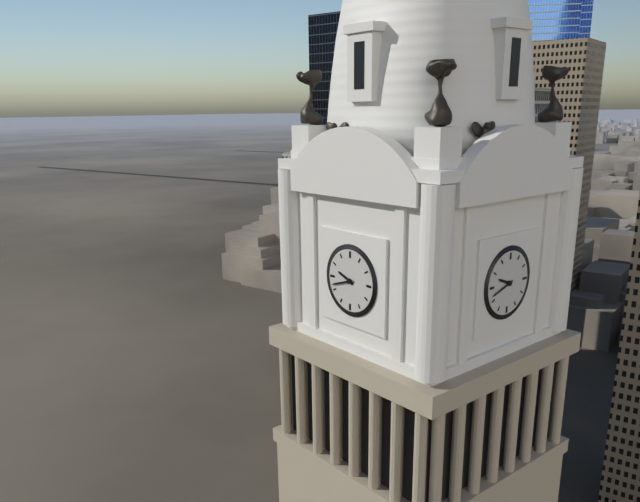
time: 9:42
